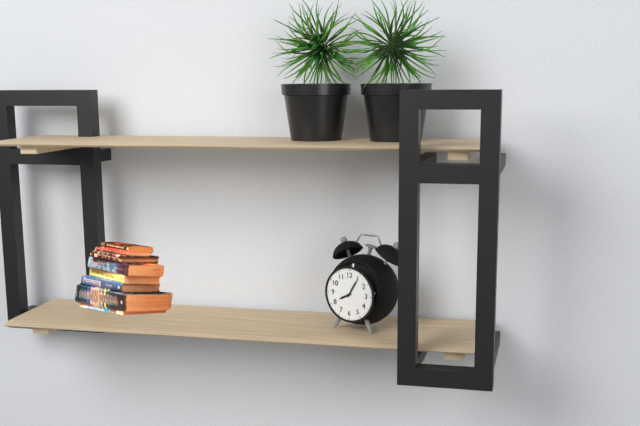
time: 8:05
